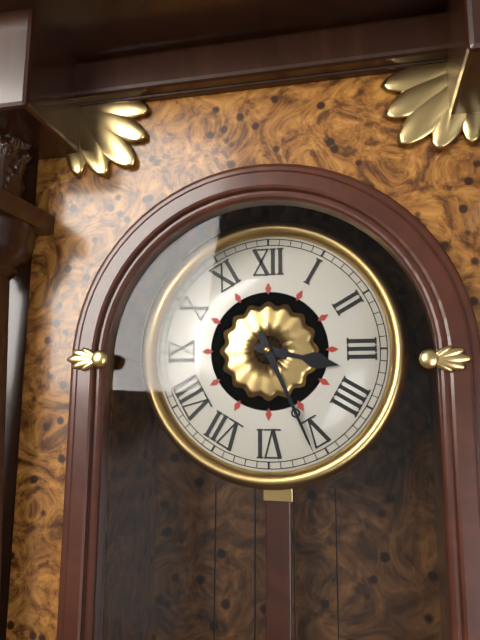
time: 3:26
